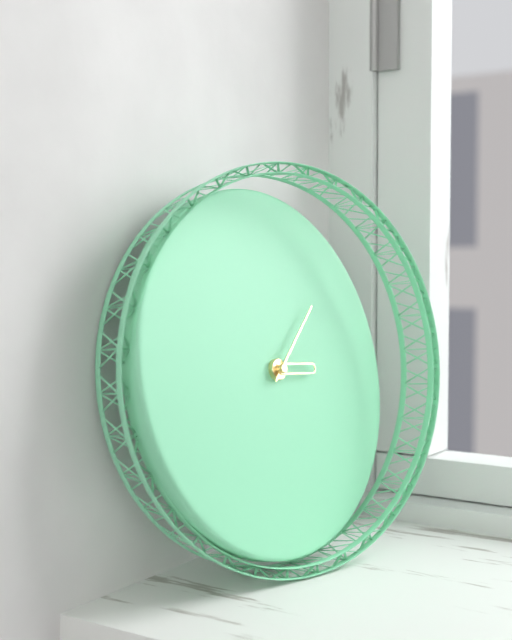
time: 3:08
